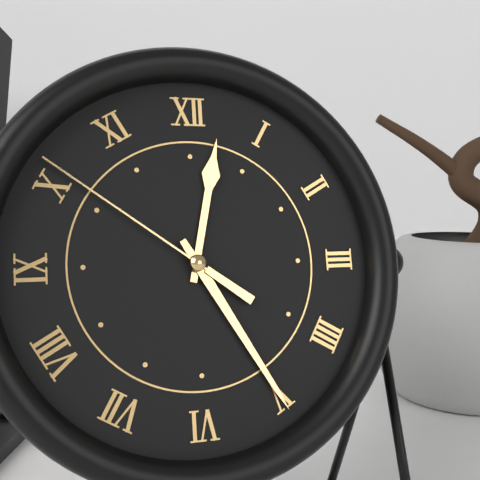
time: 12:25:51
